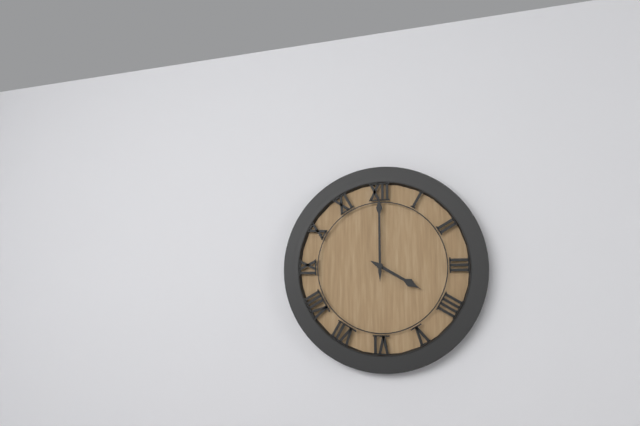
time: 4:00
